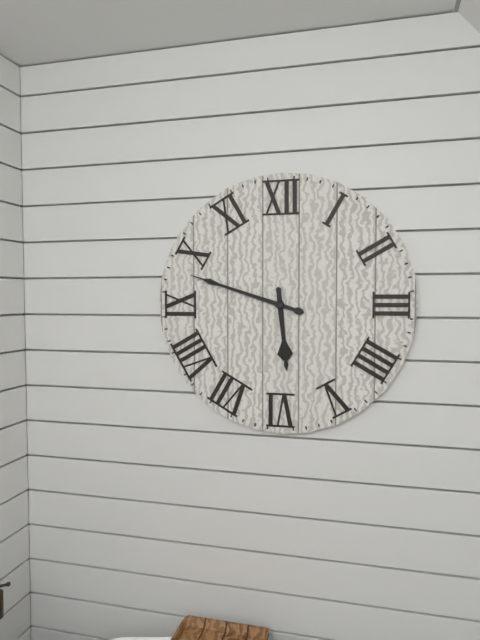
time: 5:48
